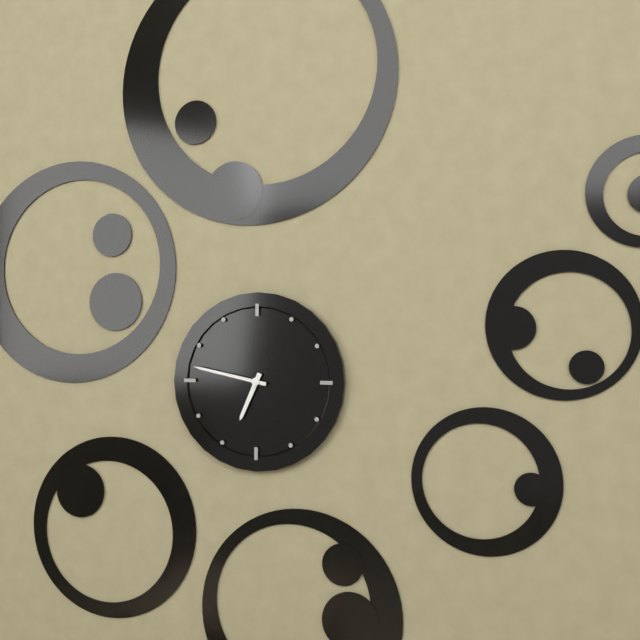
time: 6:47
